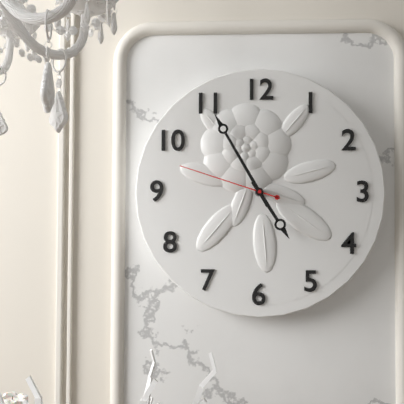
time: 4:55:48
